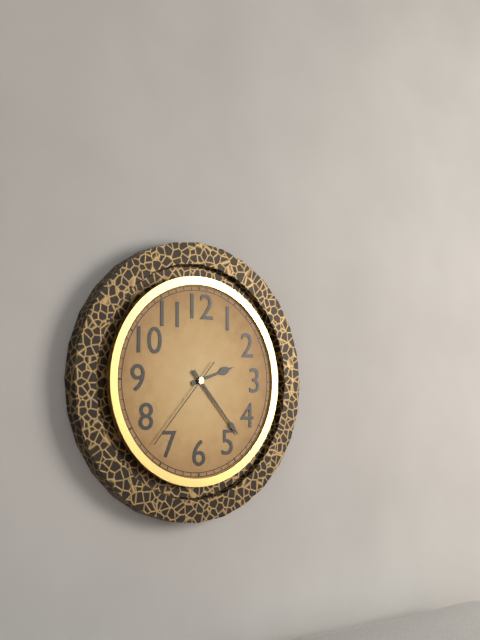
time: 2:23:37
